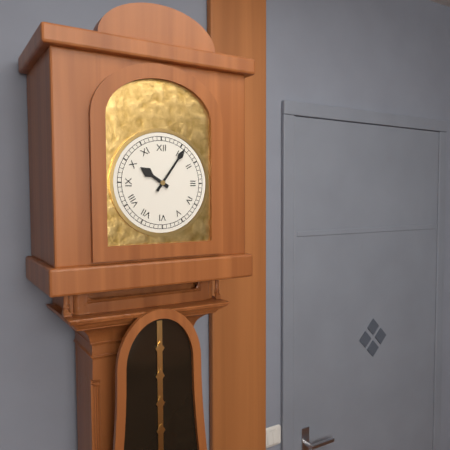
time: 10:06
